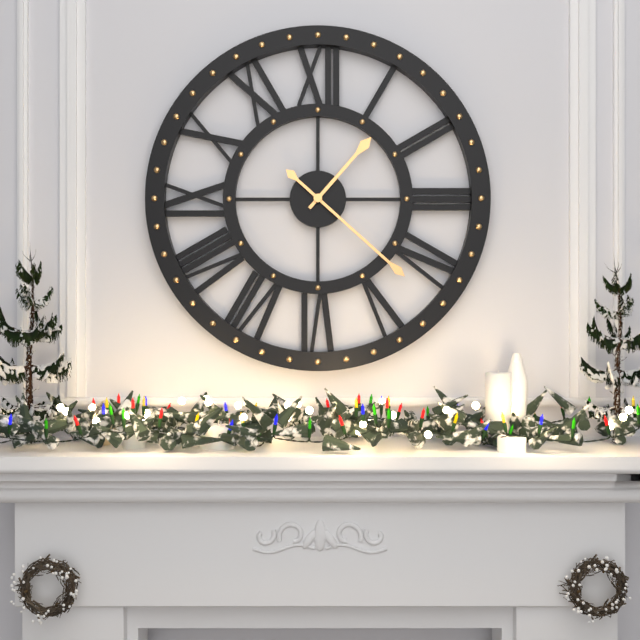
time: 1:22
